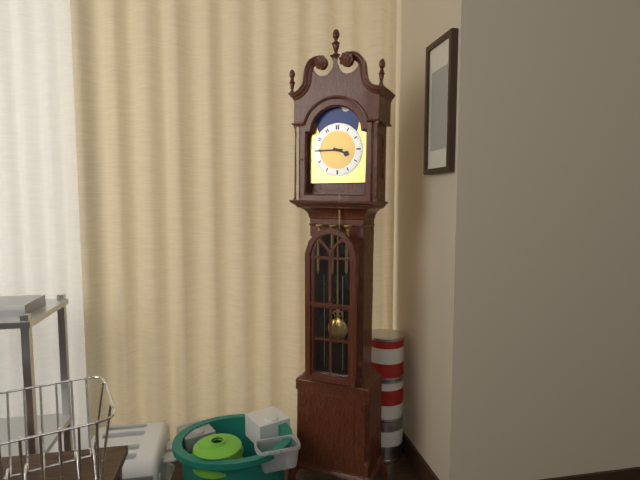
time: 3:45
